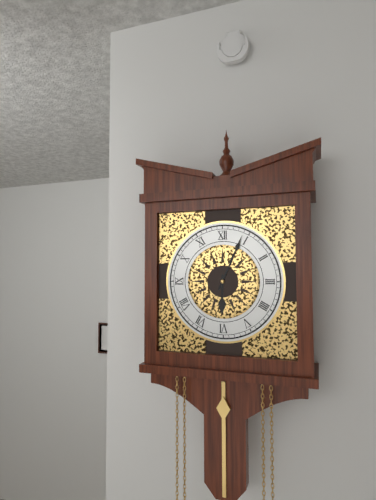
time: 6:04
